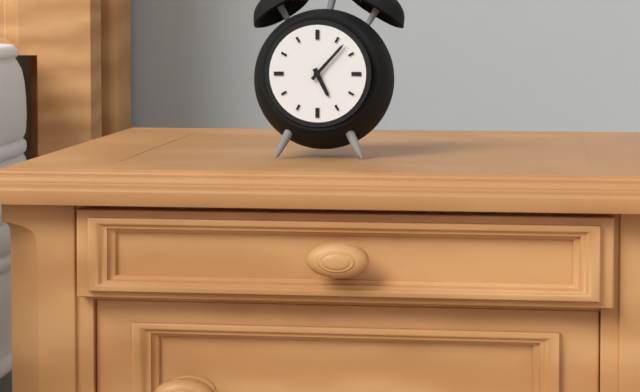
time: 5:07
